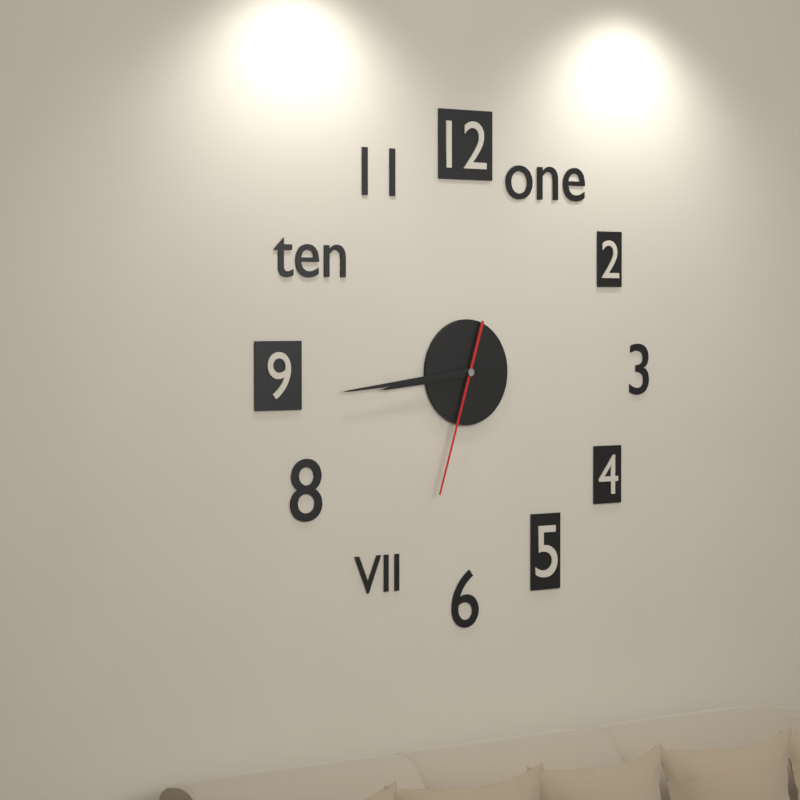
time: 8:44:33
